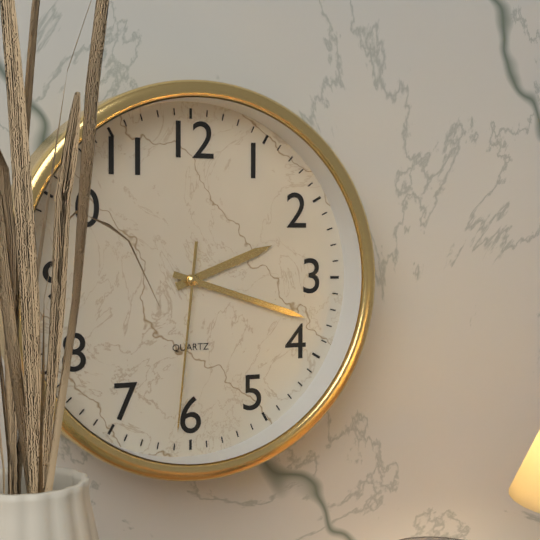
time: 2:18:31
